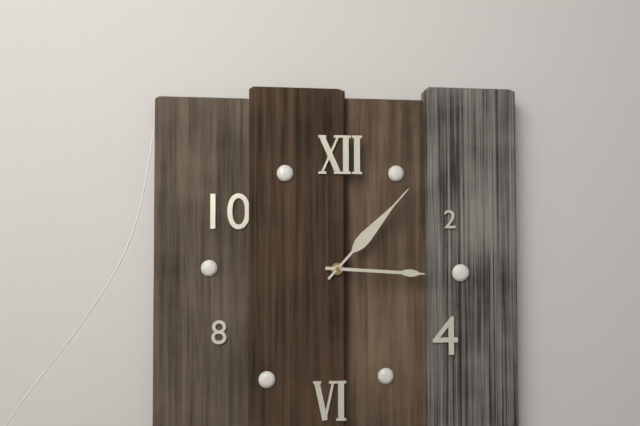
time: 3:07
